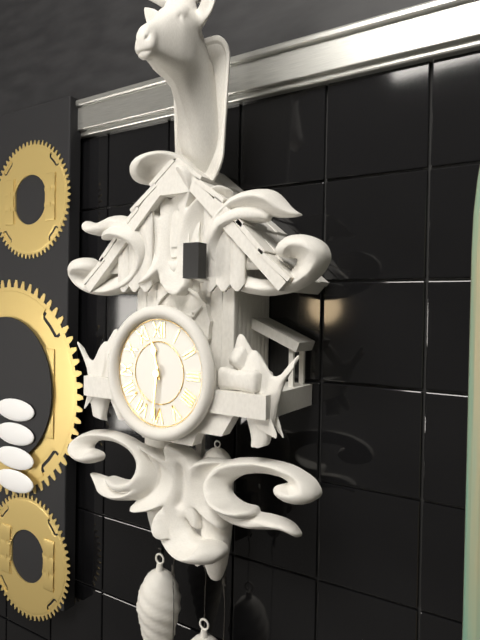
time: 11:31
